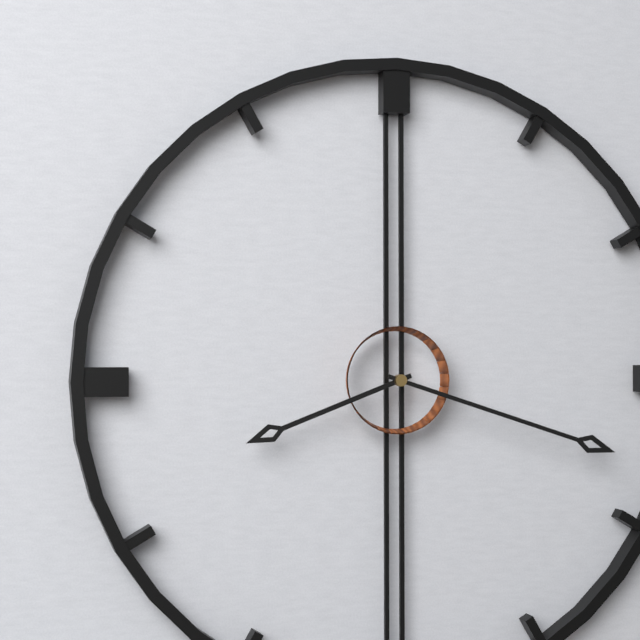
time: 8:18
